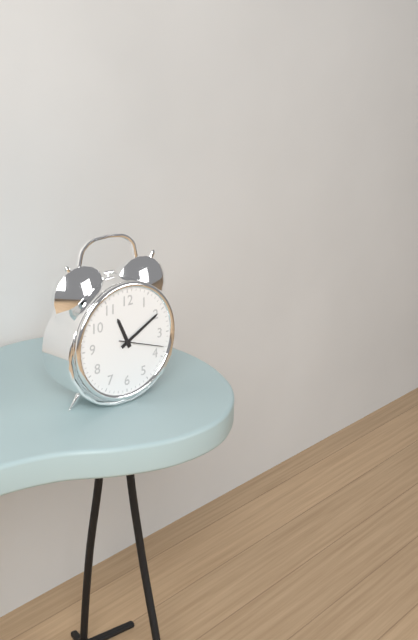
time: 11:10
